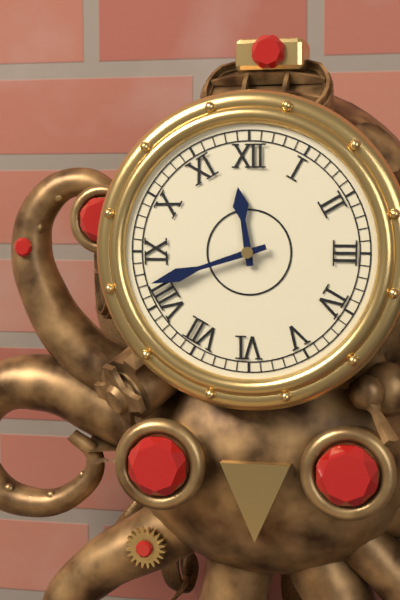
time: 11:42
